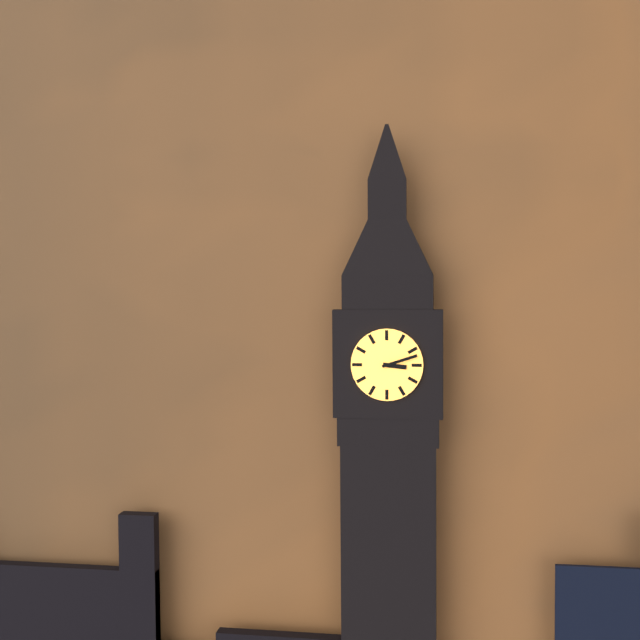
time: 3:12
